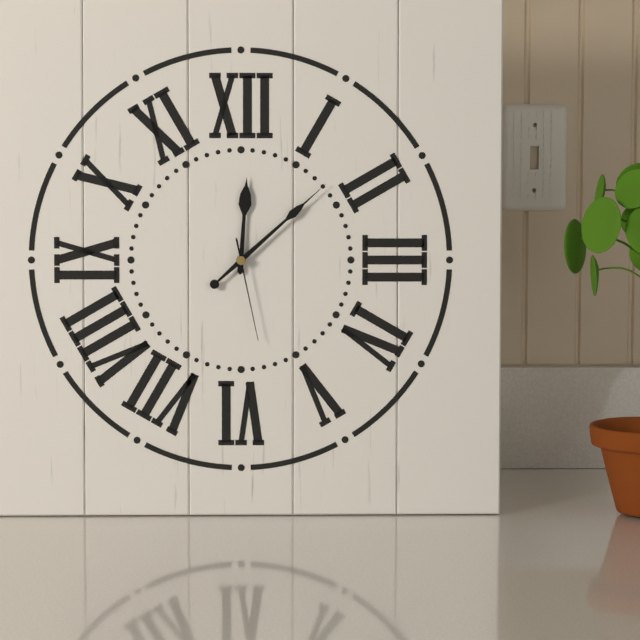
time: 12:08:28
